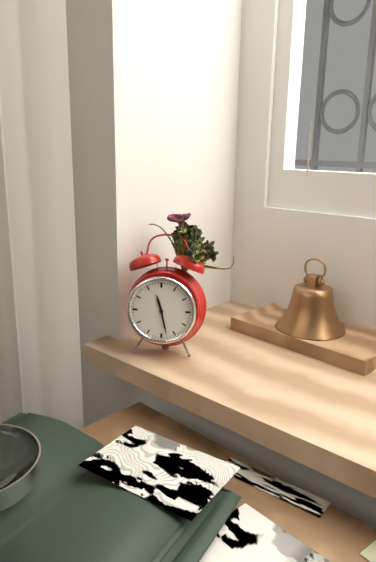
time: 11:28
